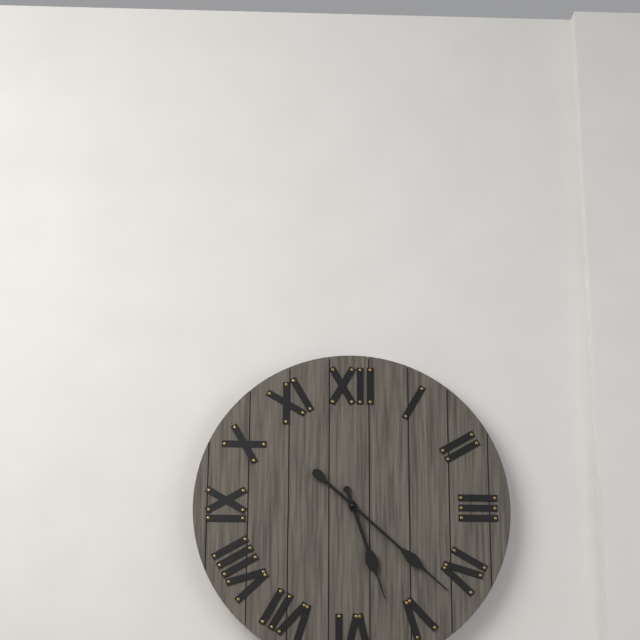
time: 5:22
